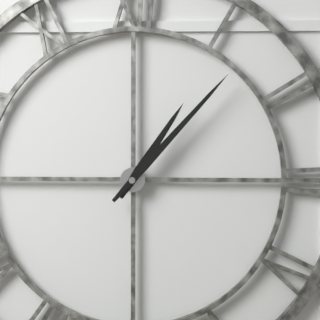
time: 1:07
